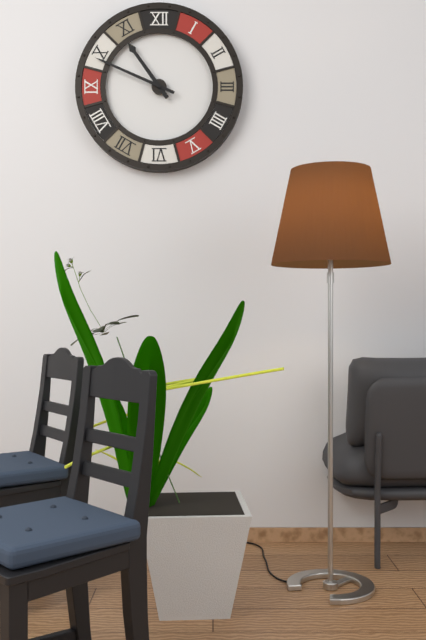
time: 10:49
